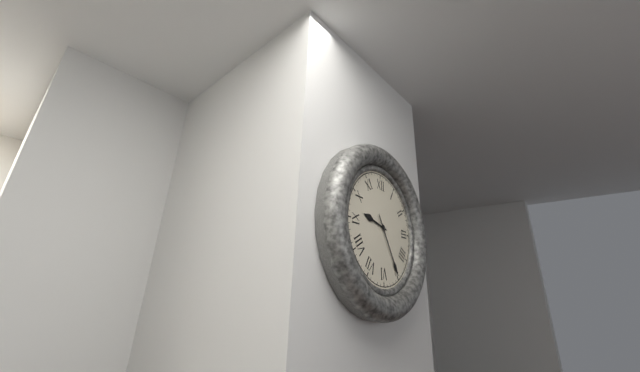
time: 9:25
